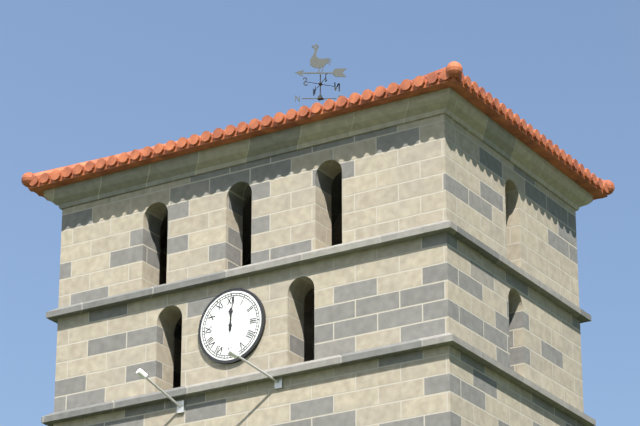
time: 12:01
